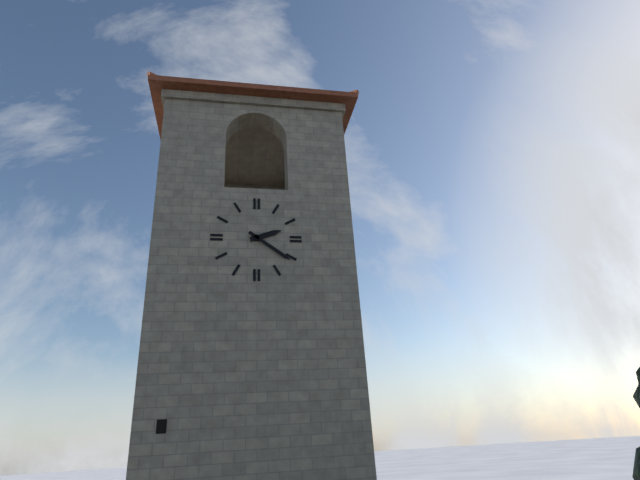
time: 2:21
